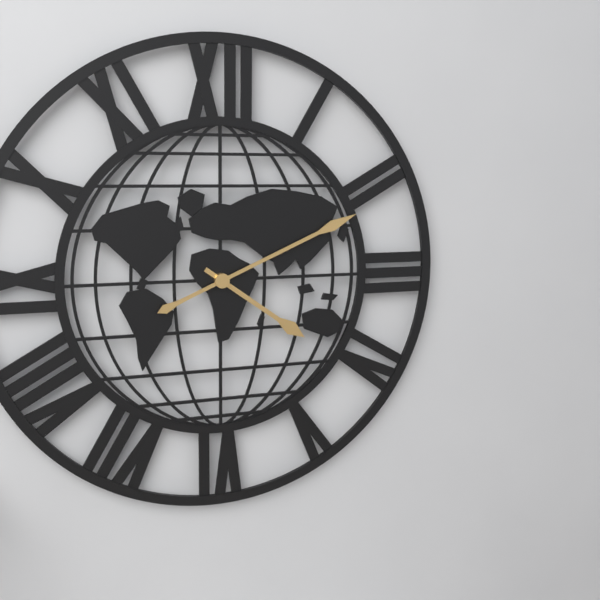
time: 4:11
